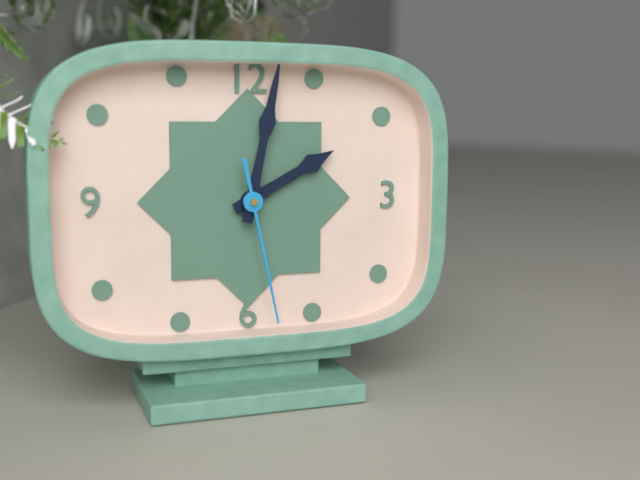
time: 2:02:28
